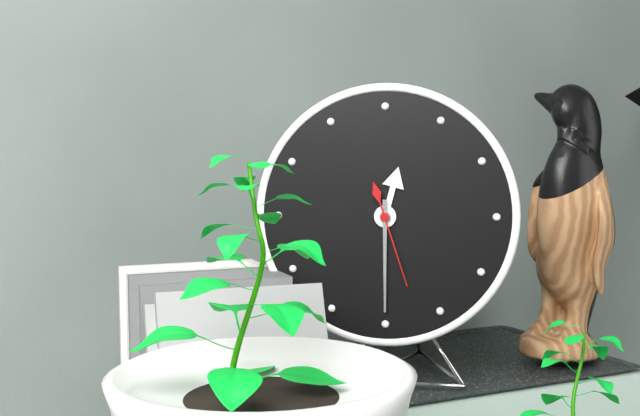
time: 12:30:27
